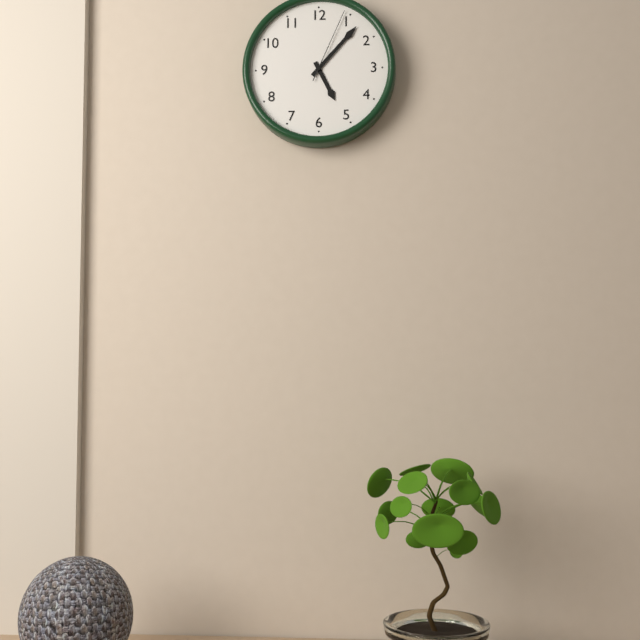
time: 5:07:04
